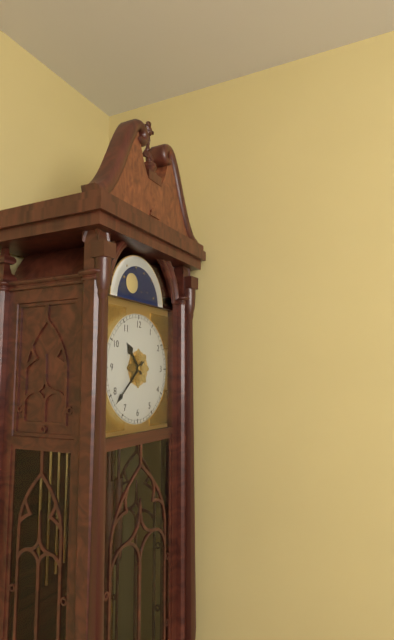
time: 10:38
